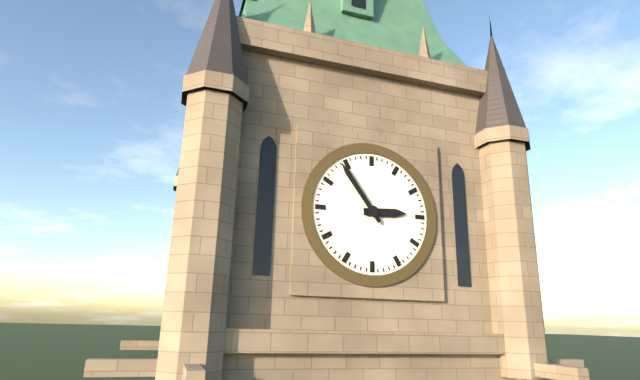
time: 2:54
